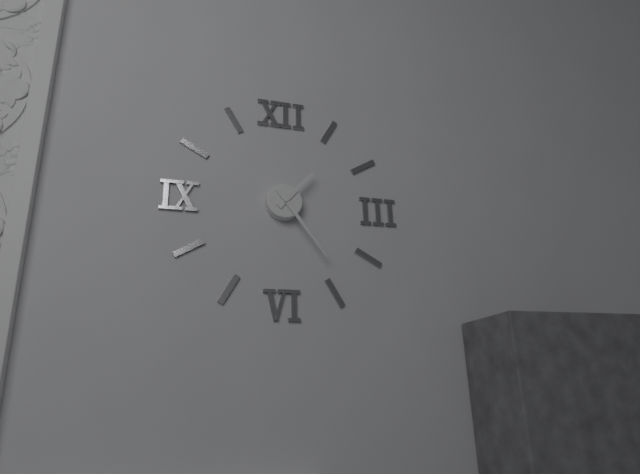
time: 1:24
